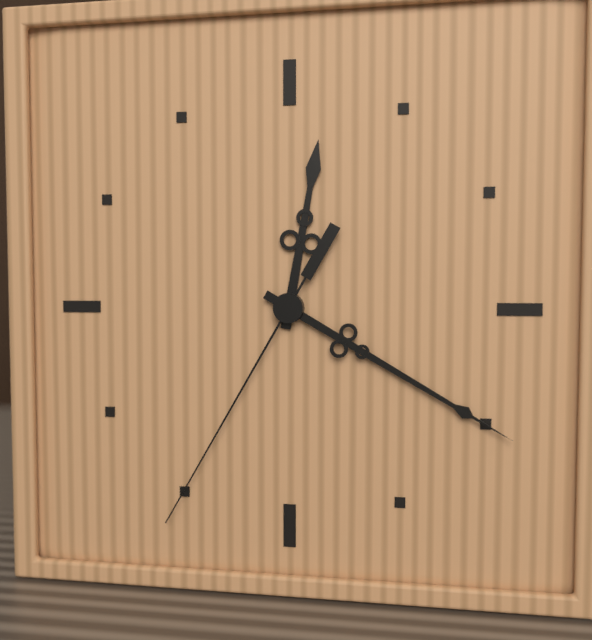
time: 12:20:35
